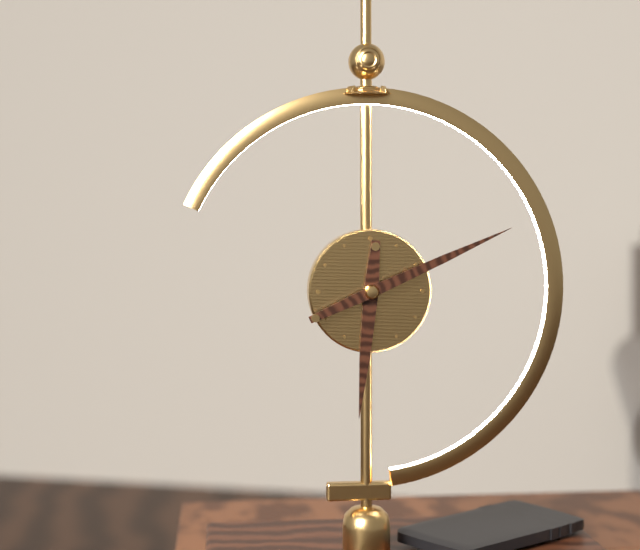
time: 6:11
